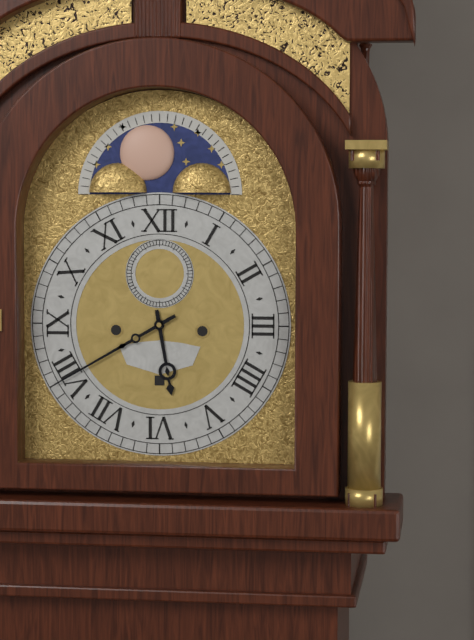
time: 5:40
